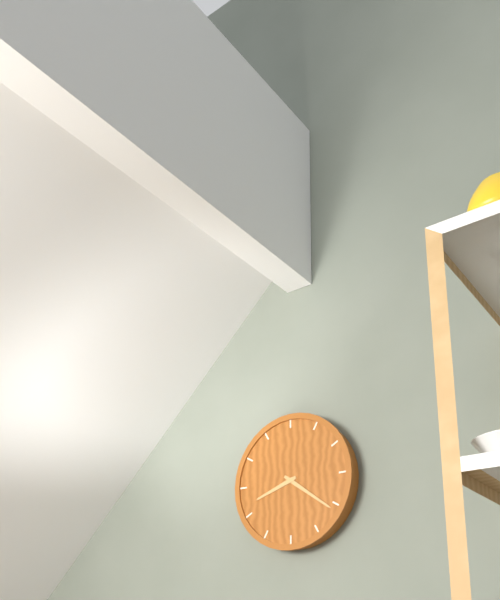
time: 8:21
